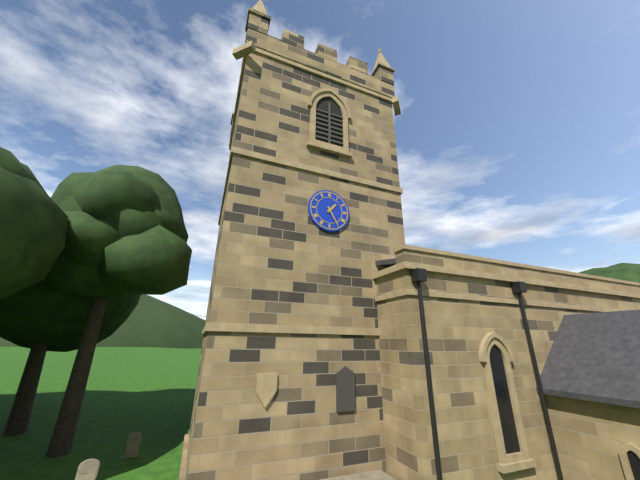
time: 1:25
